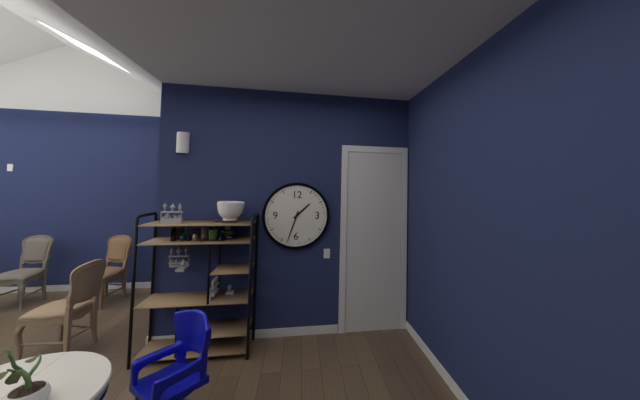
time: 1:33
